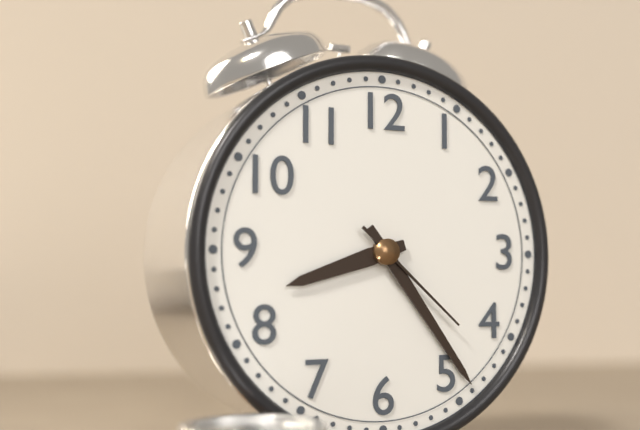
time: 8:24:22
